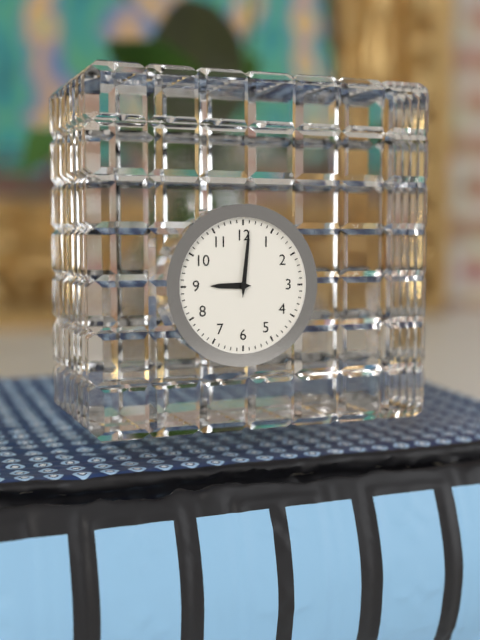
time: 9:01
